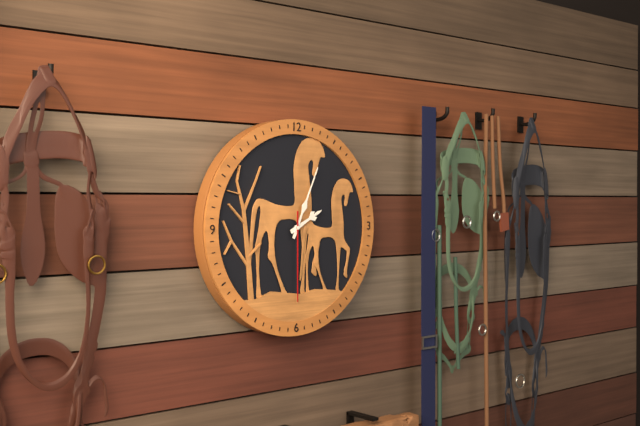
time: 2:04:30
